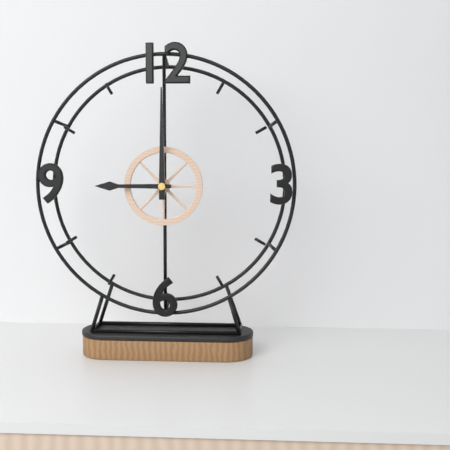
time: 9:00
